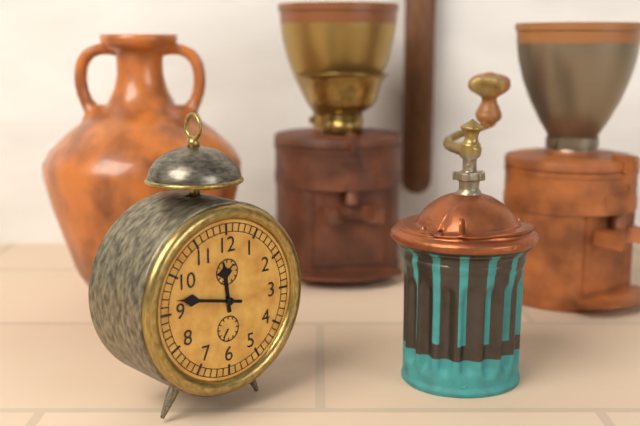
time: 11:47
